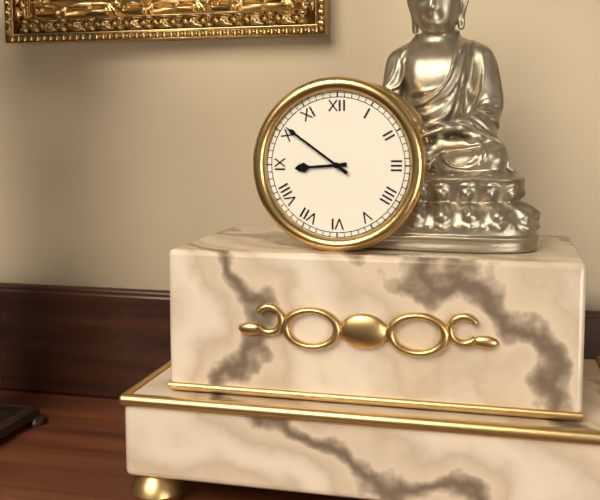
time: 8:51
